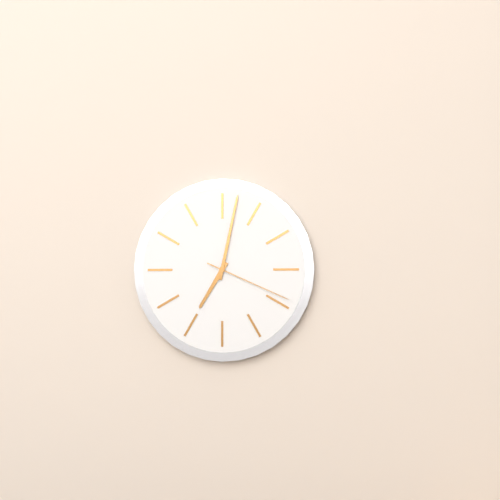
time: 7:02:19
